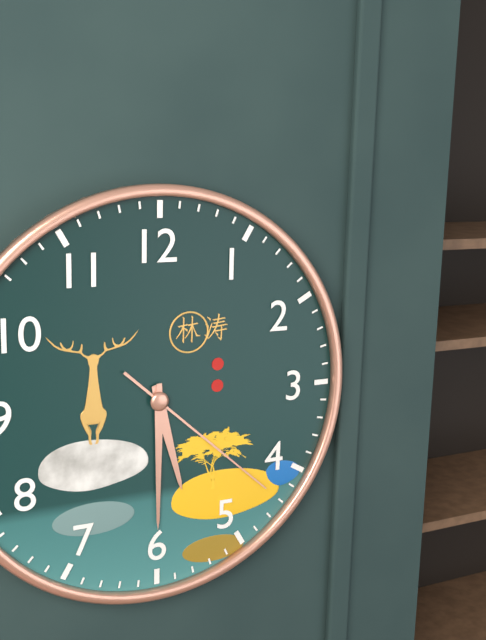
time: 5:30:22
